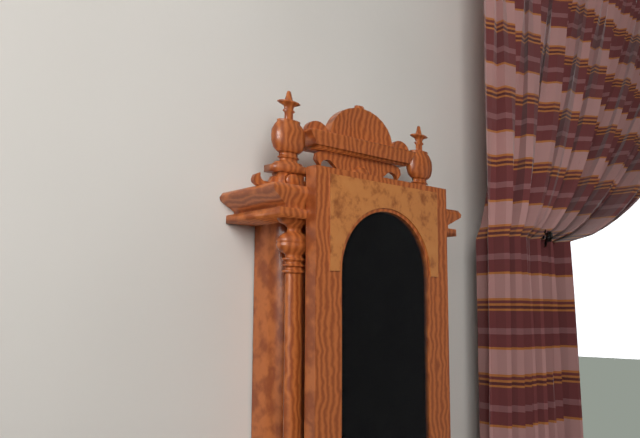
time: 3:50
